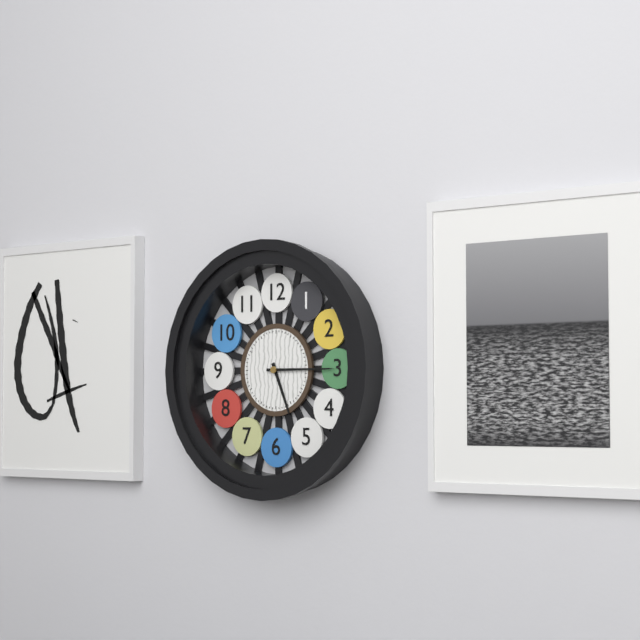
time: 5:15
